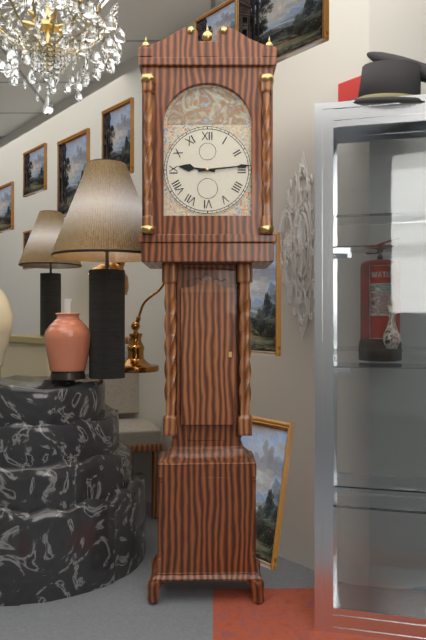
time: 9:14
